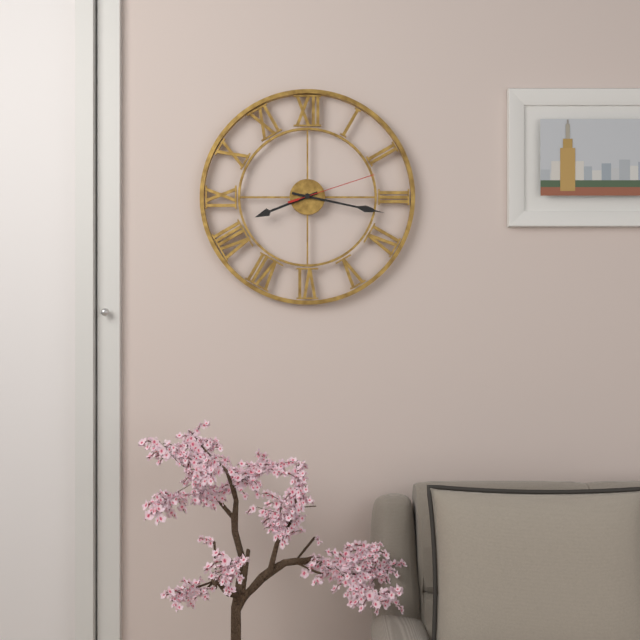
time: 8:17:12
